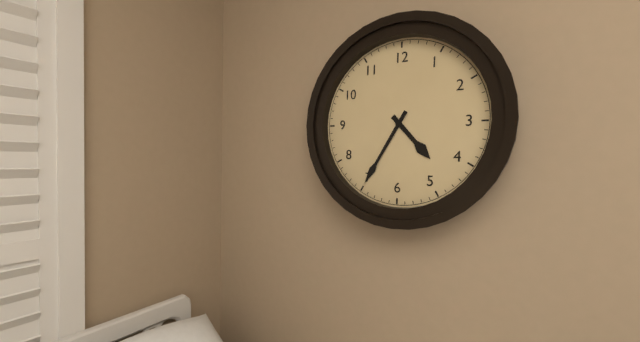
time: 4:35
